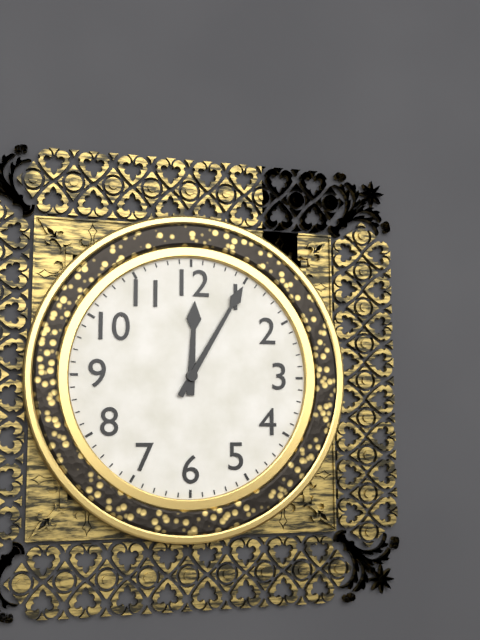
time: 12:05
